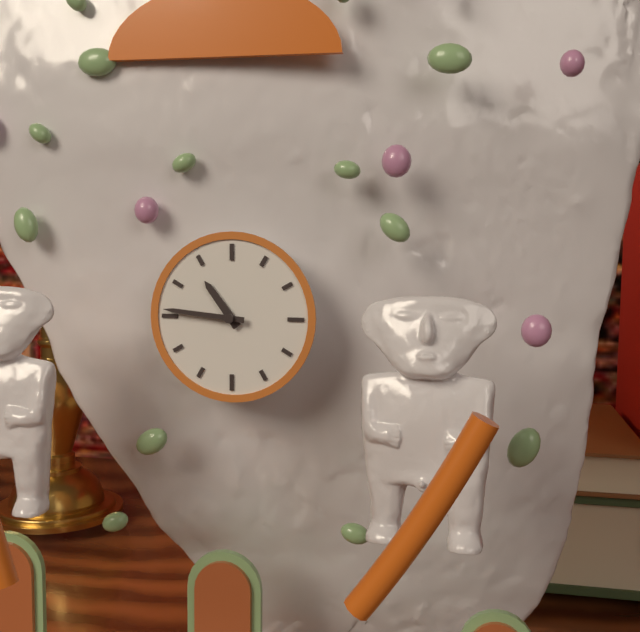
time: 10:46
